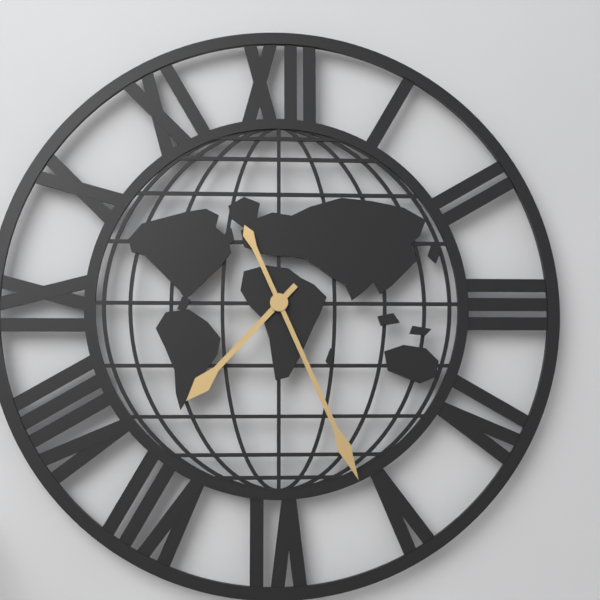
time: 7:26
